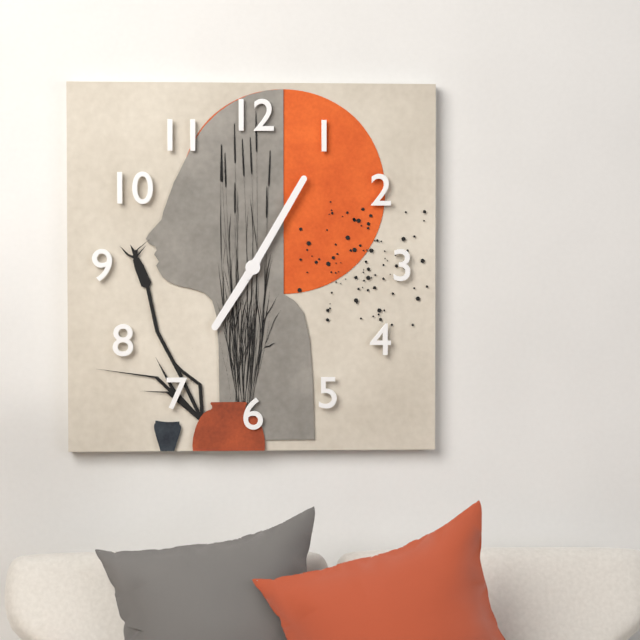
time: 7:05
